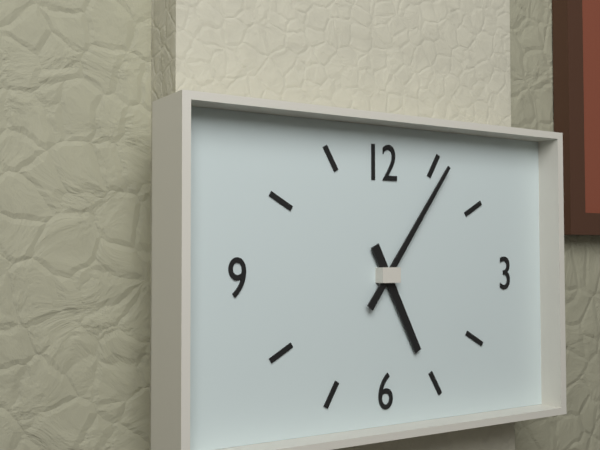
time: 5:06
